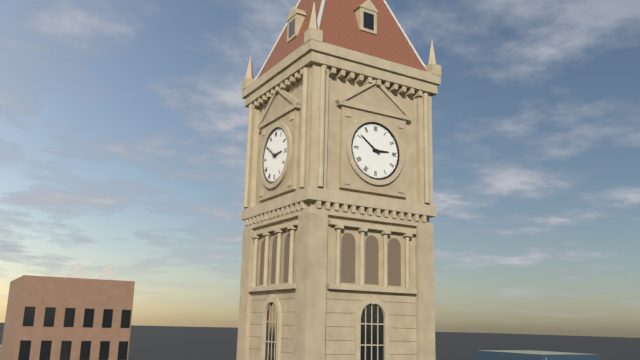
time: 2:51
